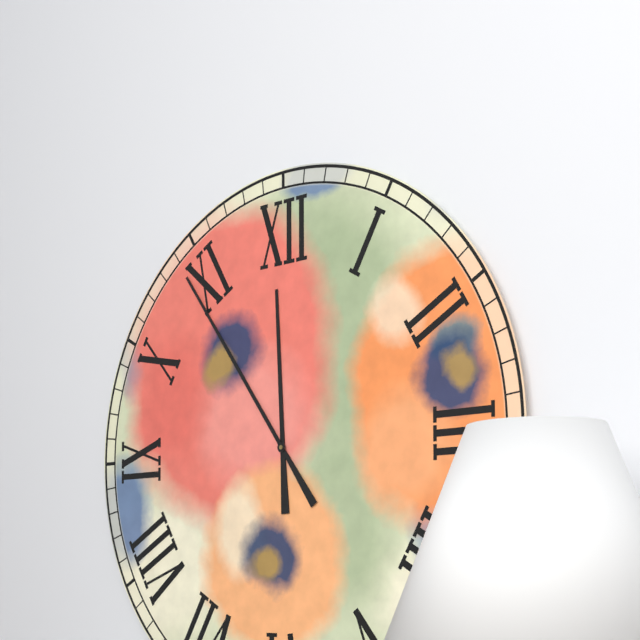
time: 11:54
